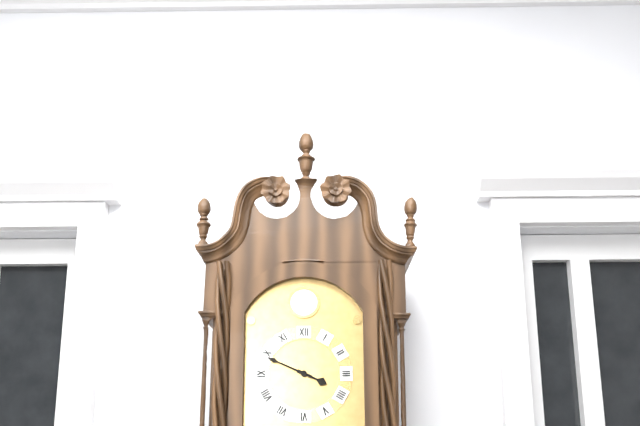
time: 3:49
